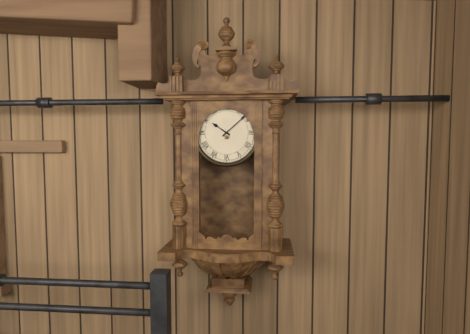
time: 10:08
